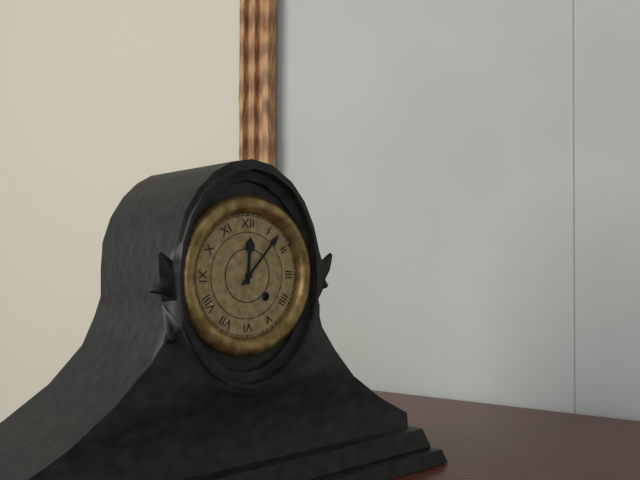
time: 12:07
